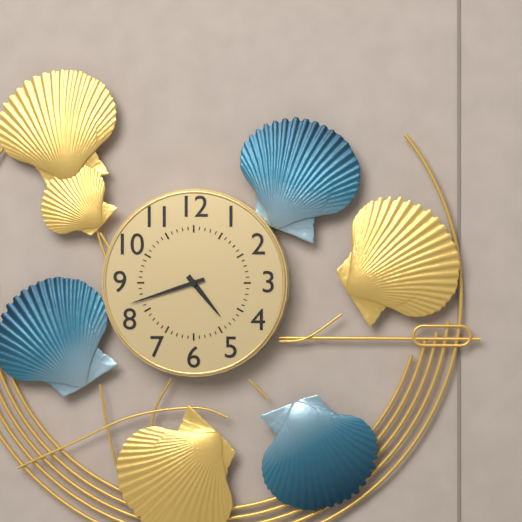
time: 4:42
